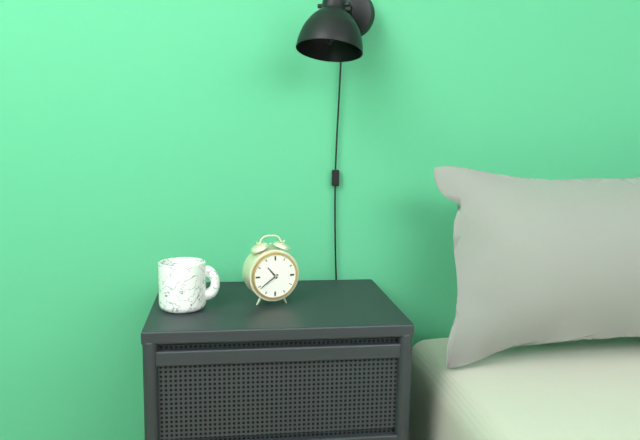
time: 10:39
